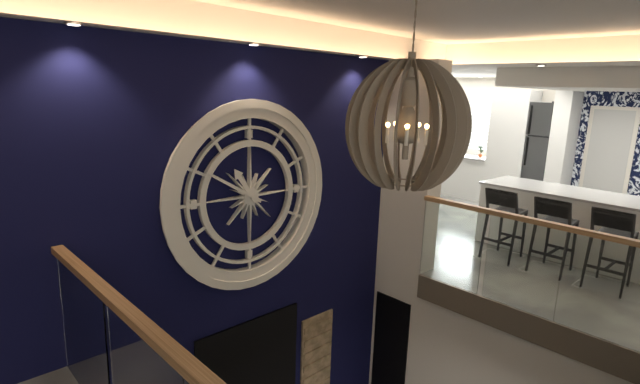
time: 10:50
